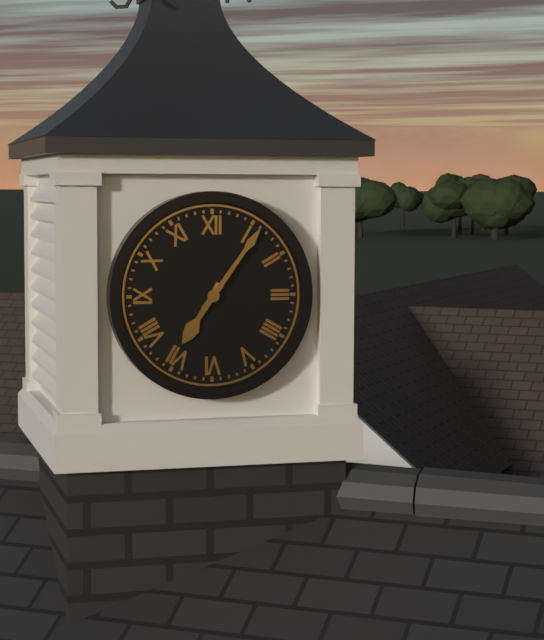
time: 7:06
